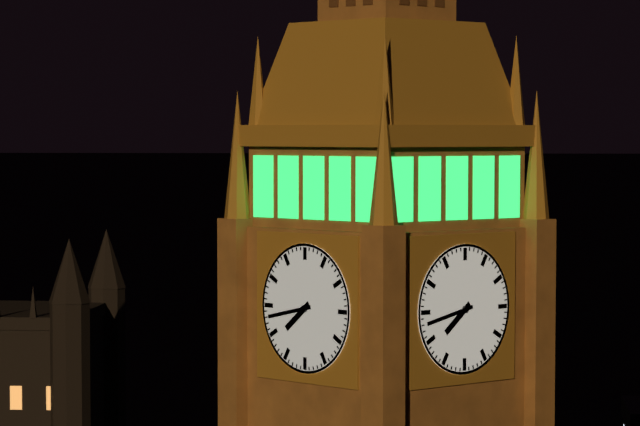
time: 7:43
